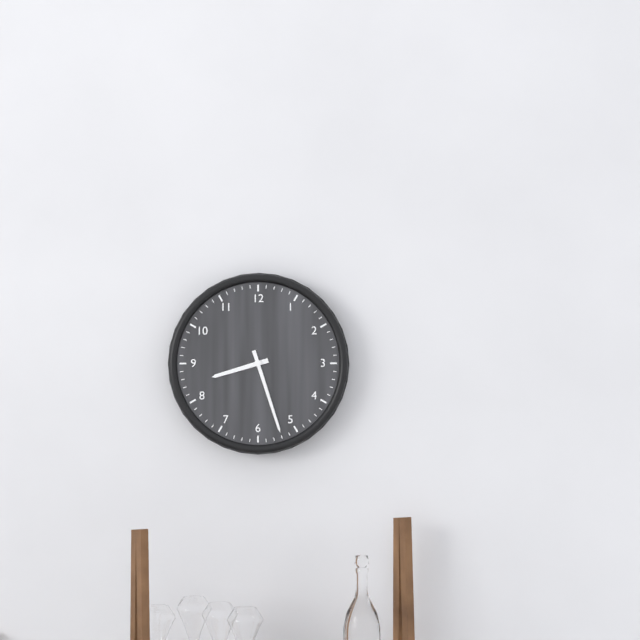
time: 8:27
